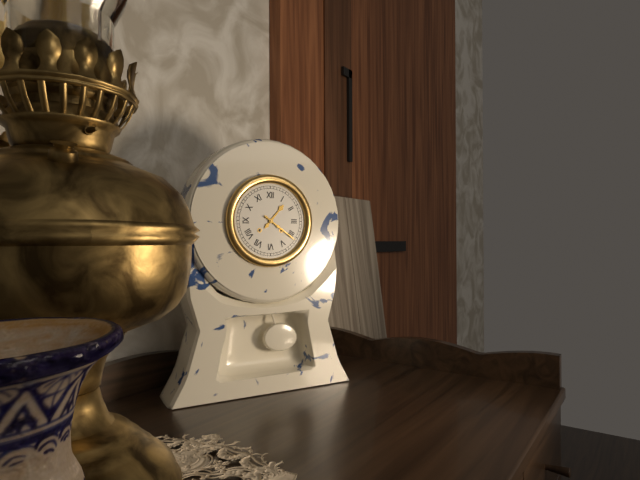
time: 1:21
